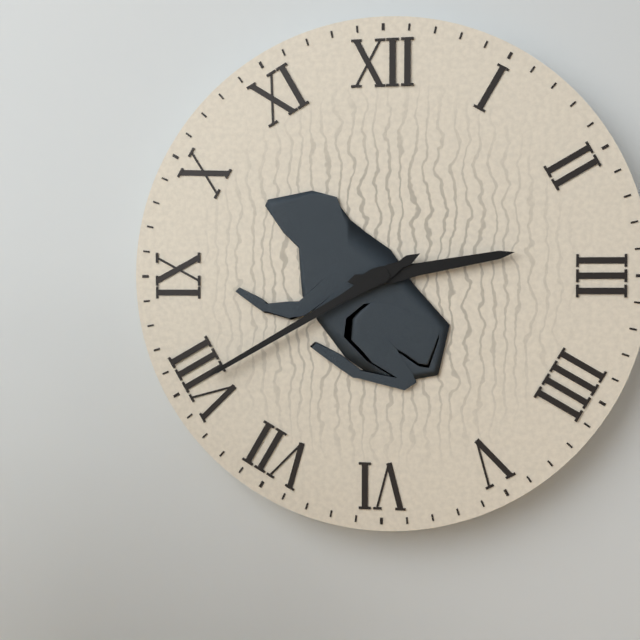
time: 2:40
